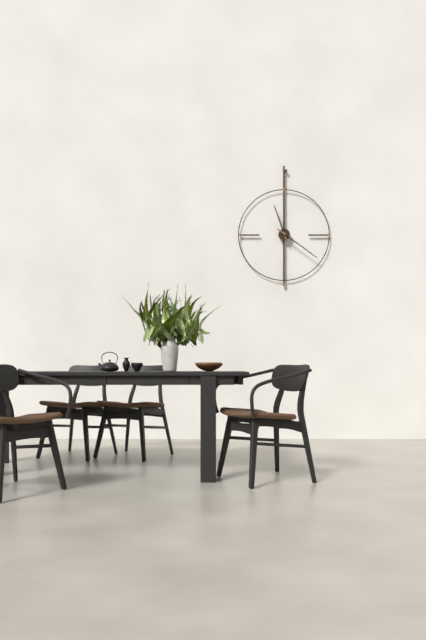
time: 11:21
